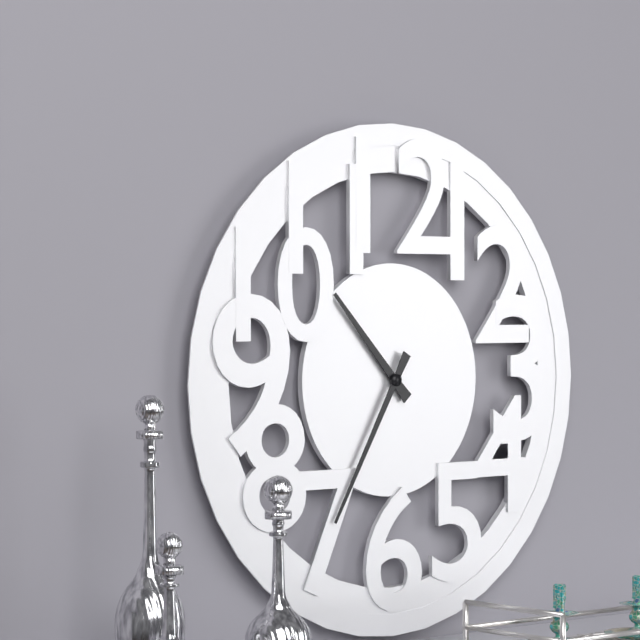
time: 10:35
